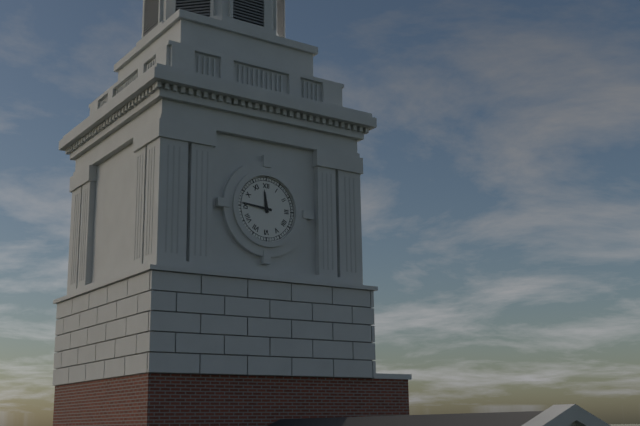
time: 11:46
